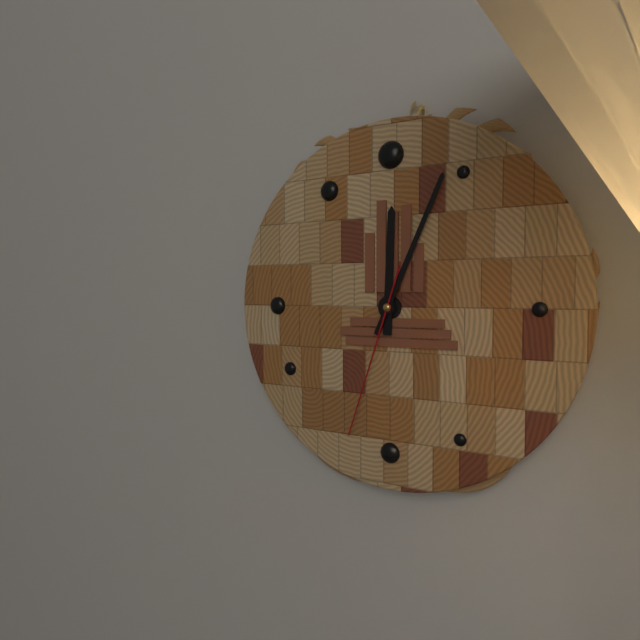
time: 12:04:33
